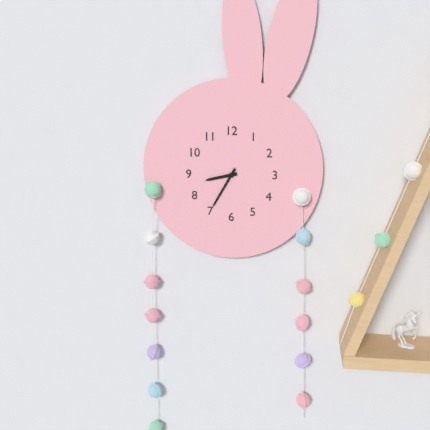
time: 8:35
